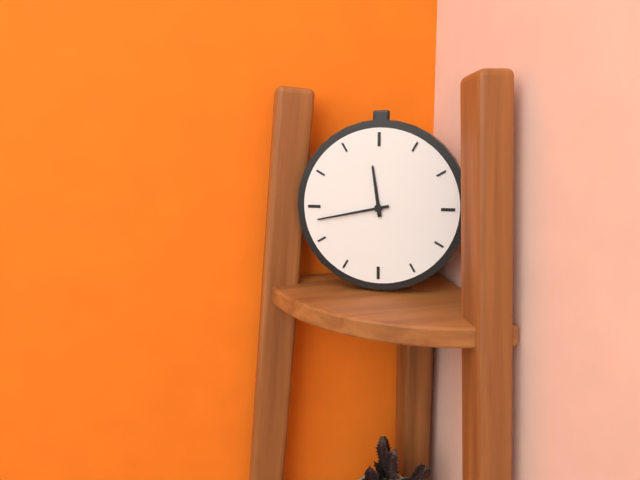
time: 11:43
